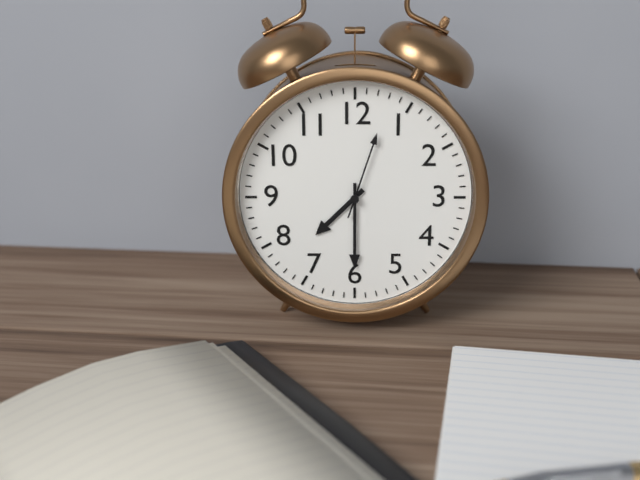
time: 7:30:03
